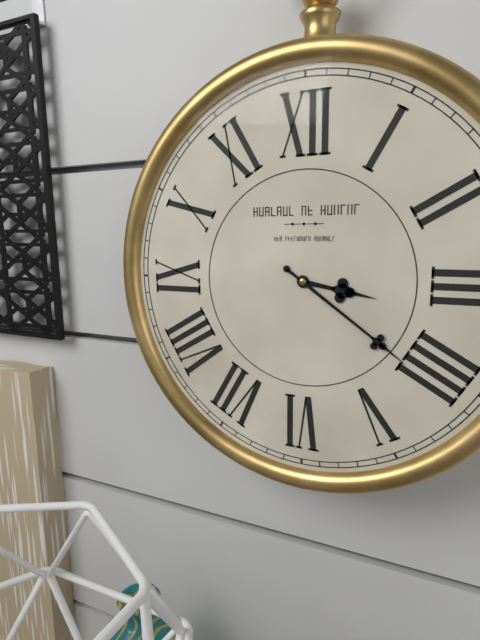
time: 3:21
